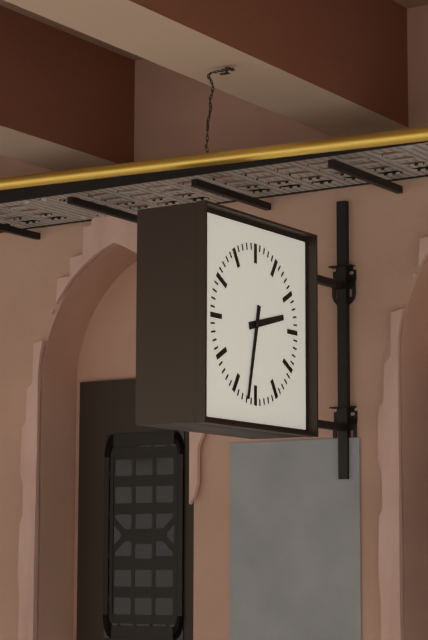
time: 2:32
